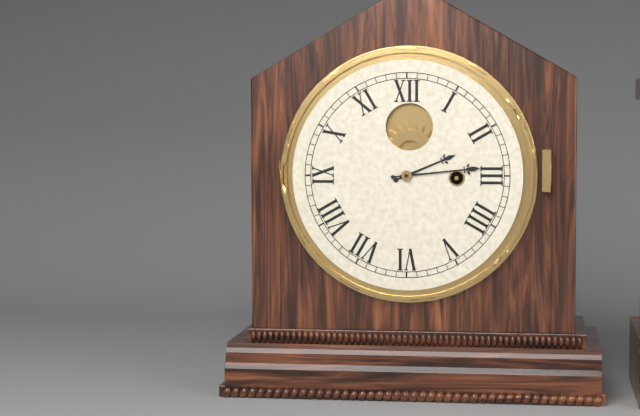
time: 2:14
